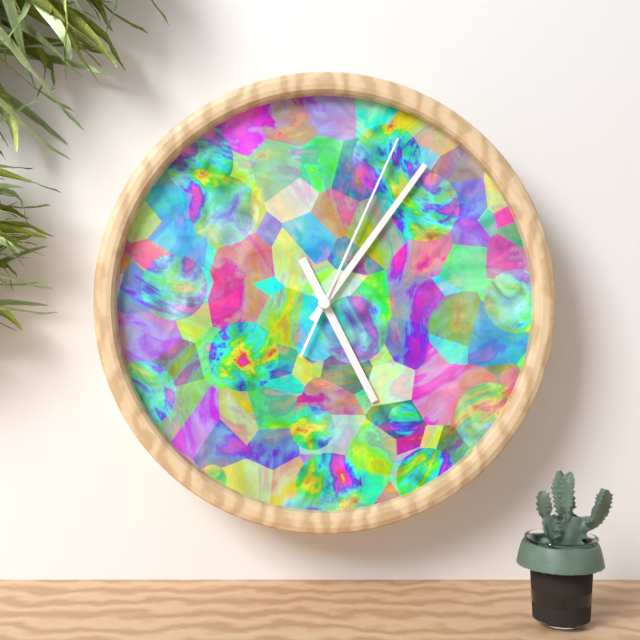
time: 5:06:04
